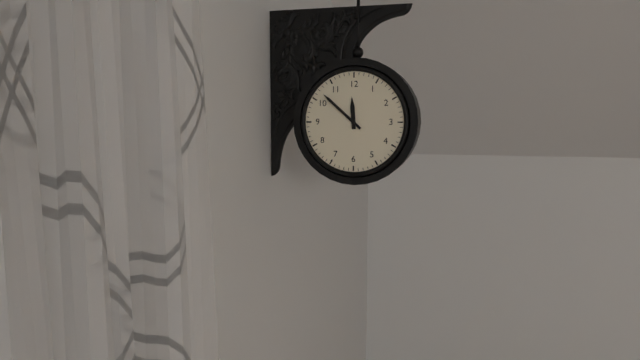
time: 11:52
